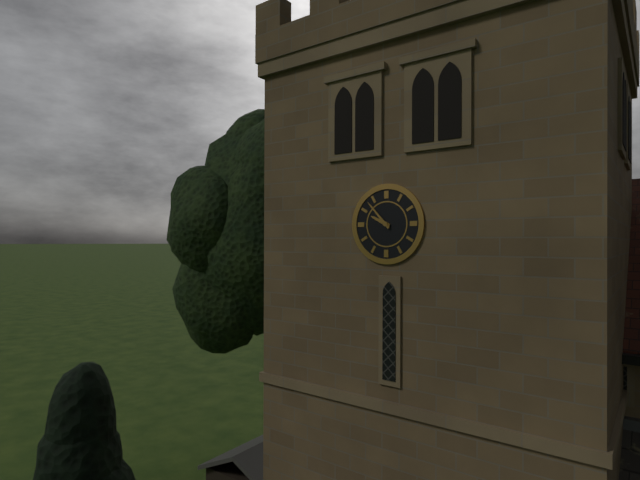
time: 9:53
